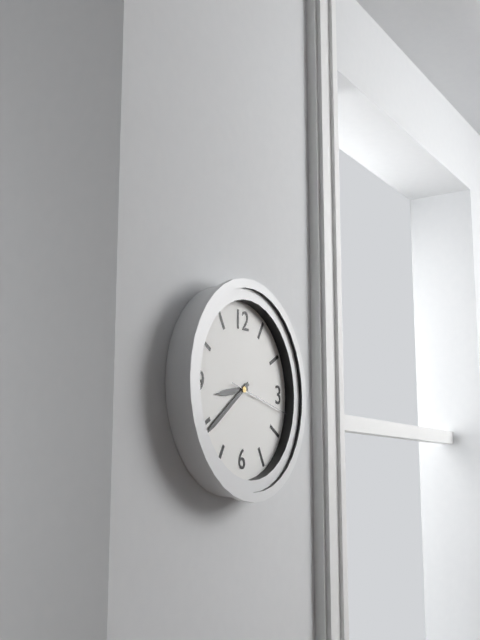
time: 8:39:17
